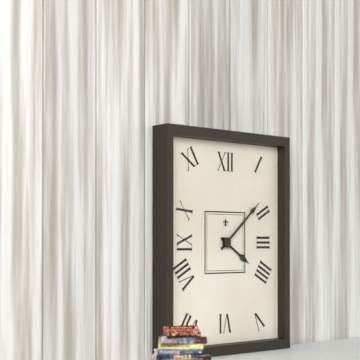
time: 4:08
